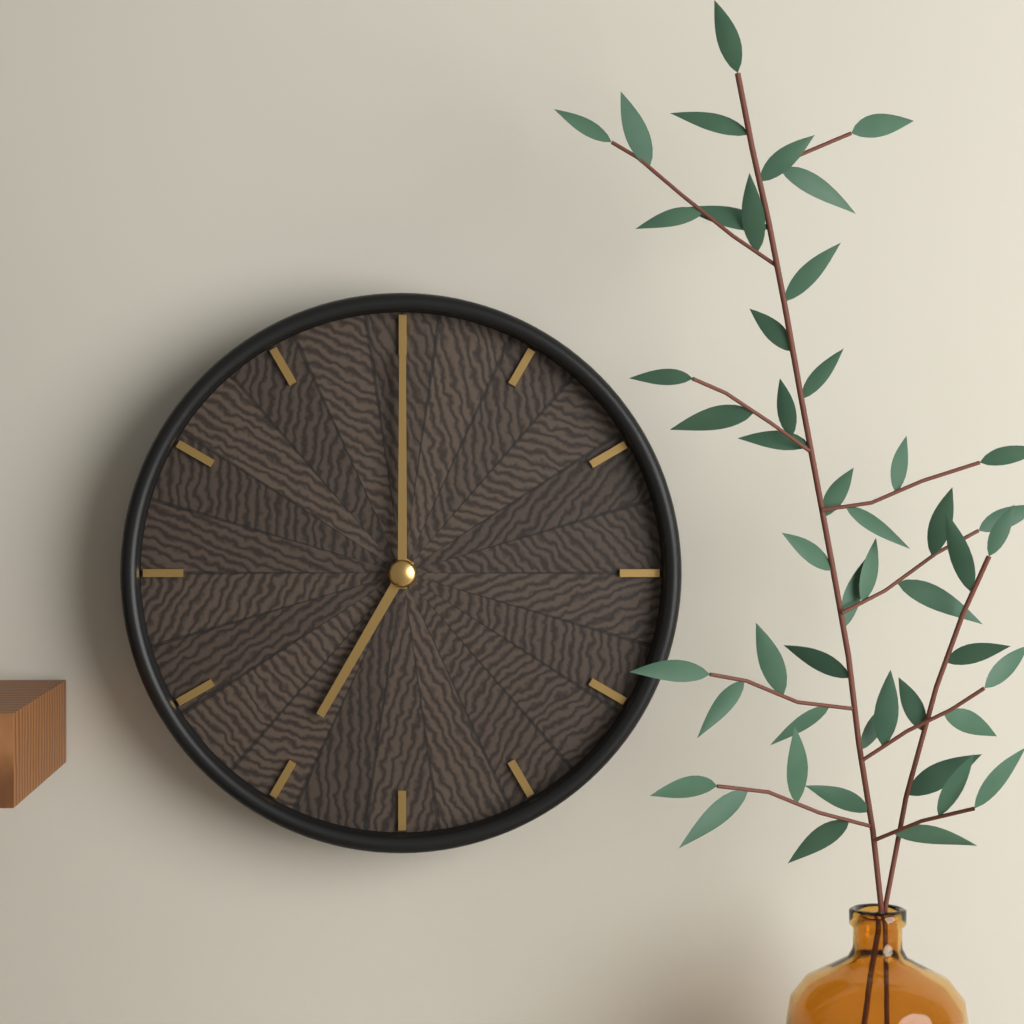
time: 7:00
